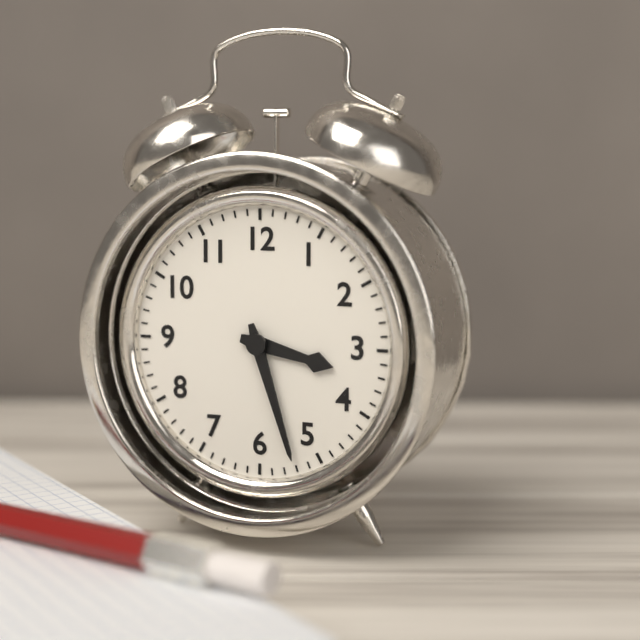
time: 3:27
